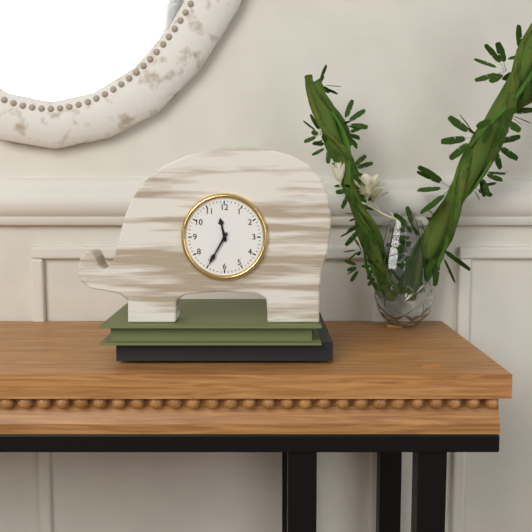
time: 11:35
